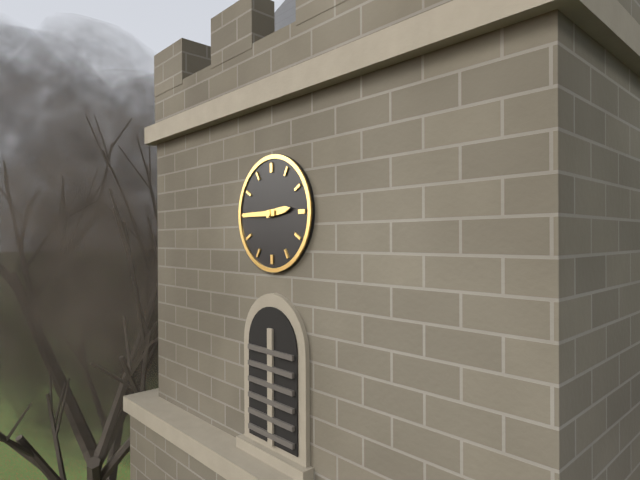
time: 2:45
